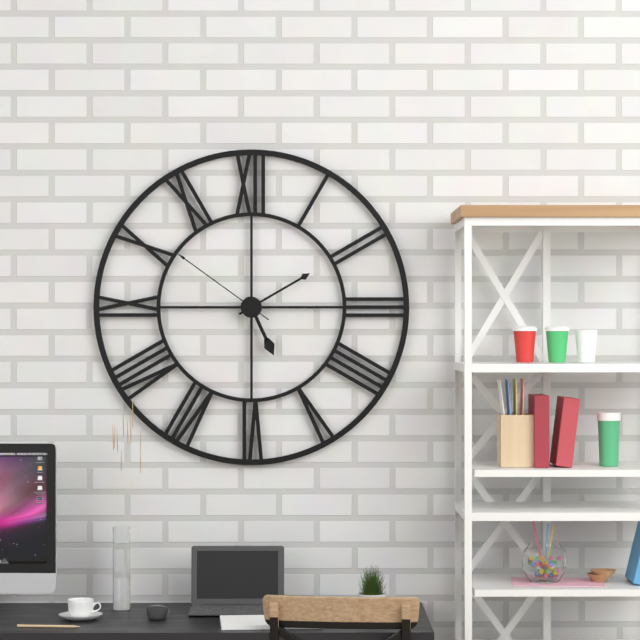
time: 5:10:51
